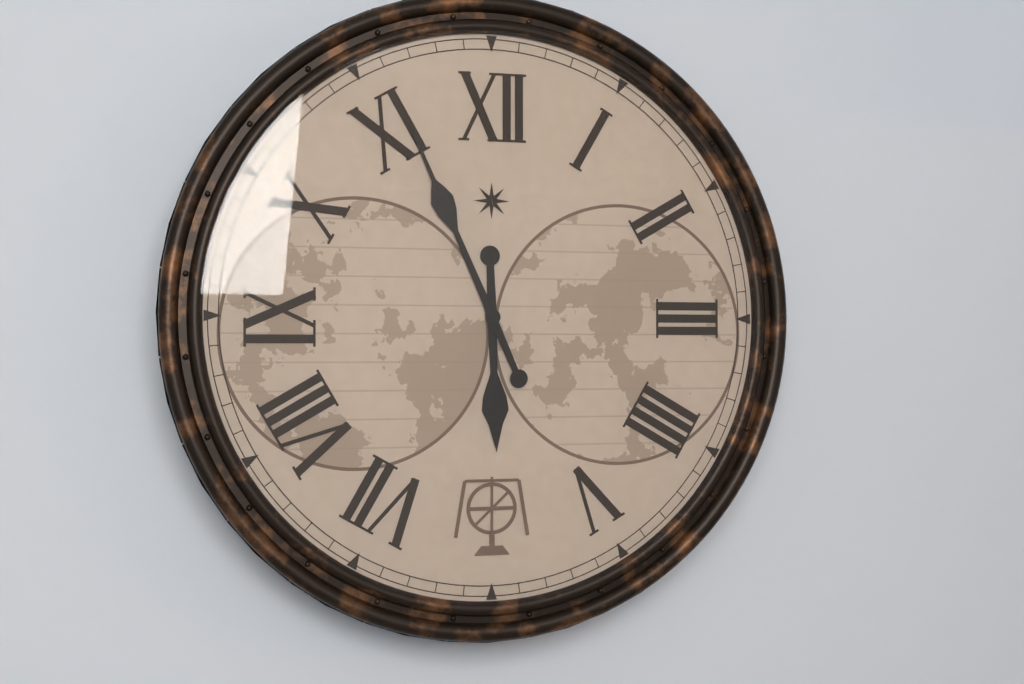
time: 5:56
